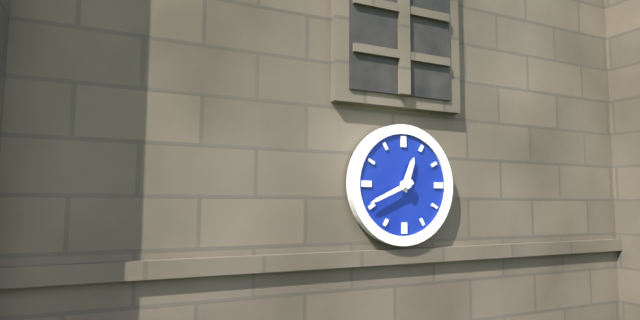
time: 12:41
